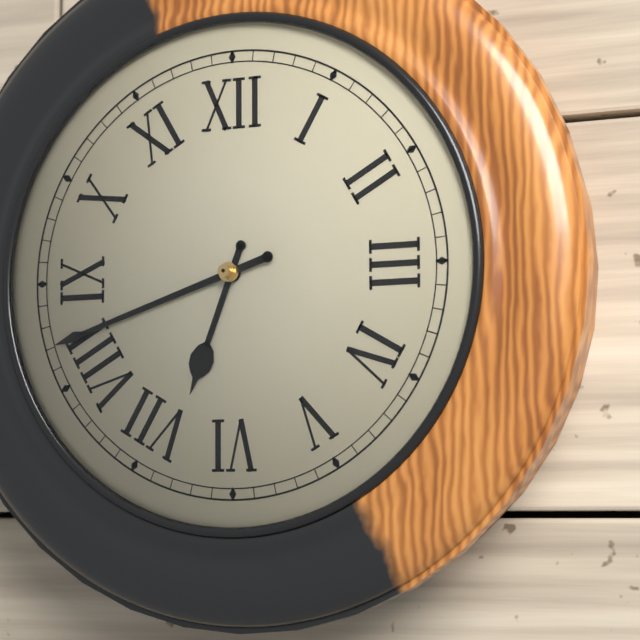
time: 6:42
